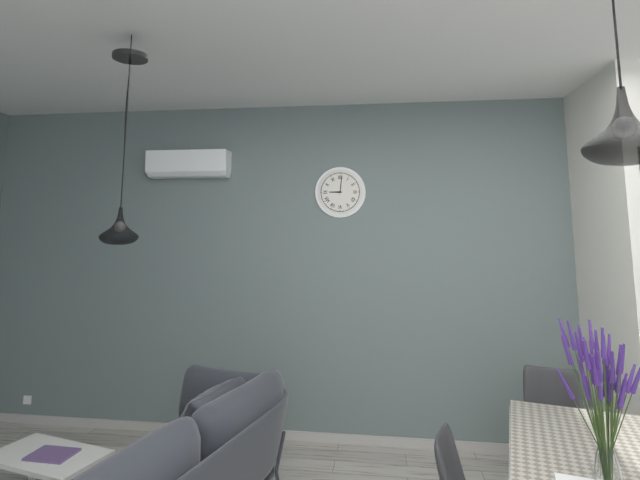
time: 9:01
